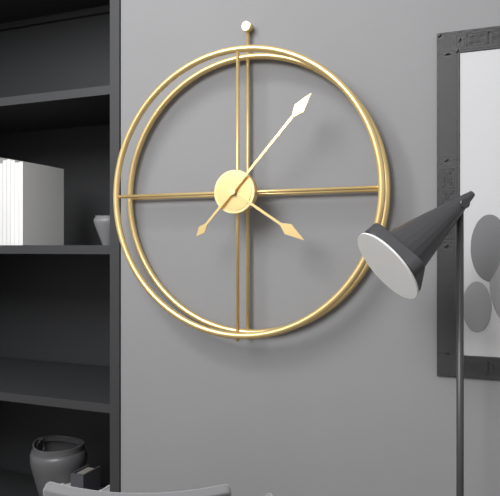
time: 4:07
